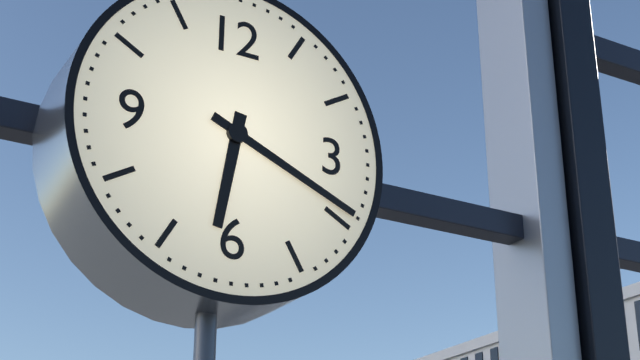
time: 6:19
